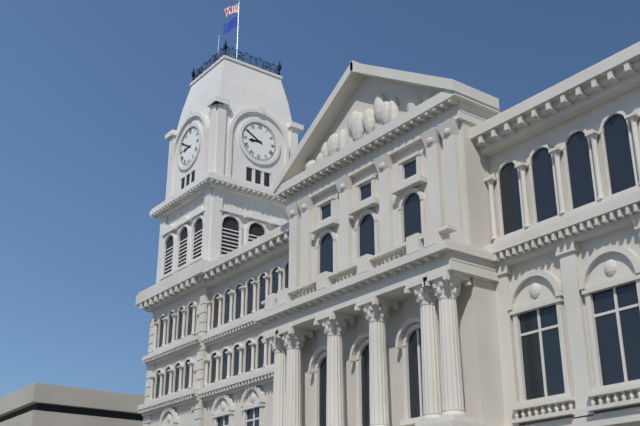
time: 8:50
